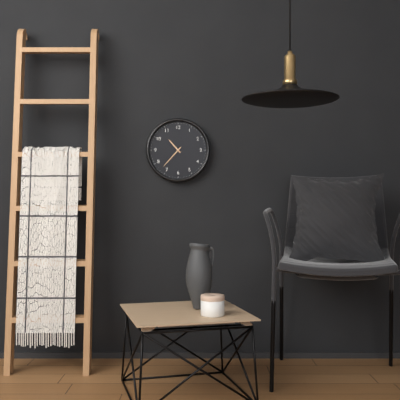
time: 10:37
